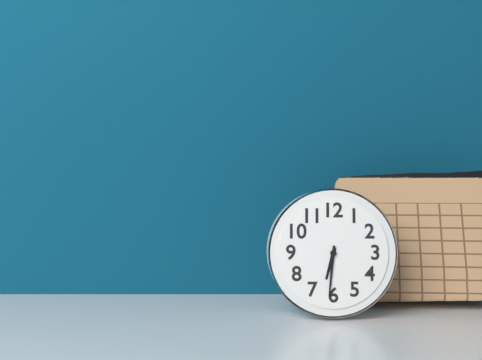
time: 6:31
